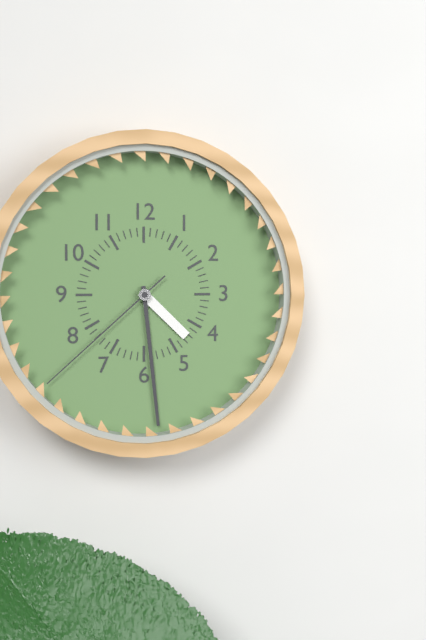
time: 4:29:38
